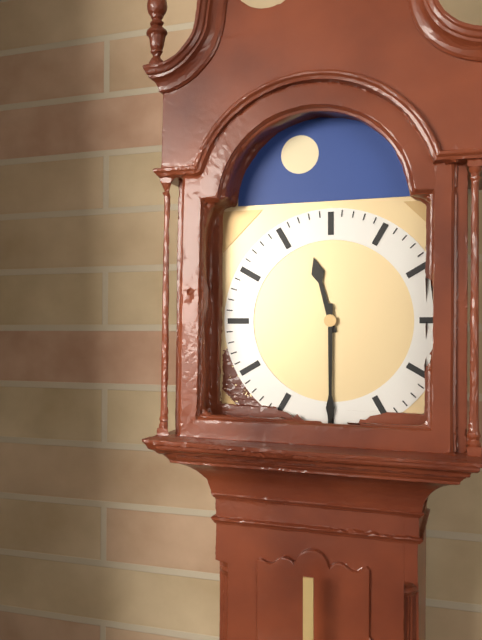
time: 11:30
